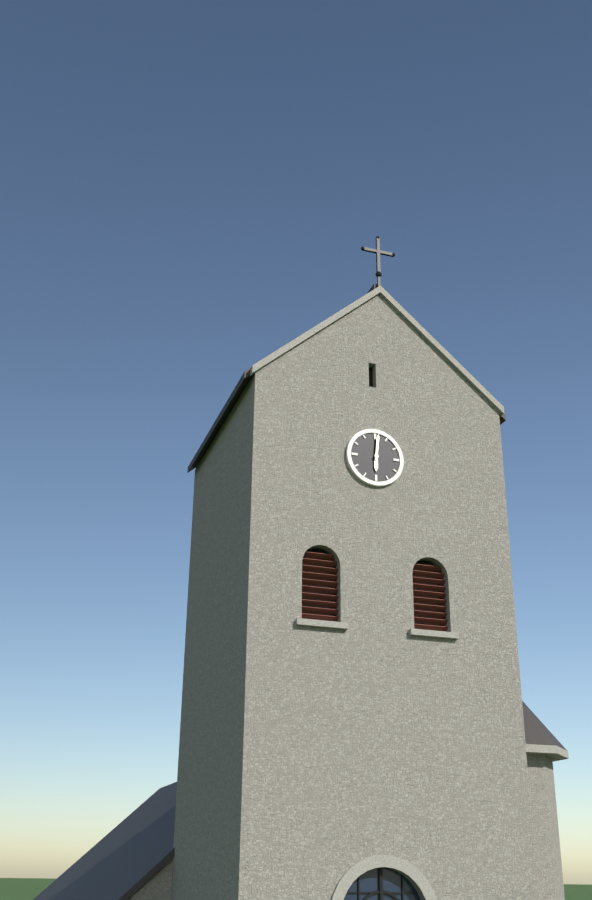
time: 6:01
